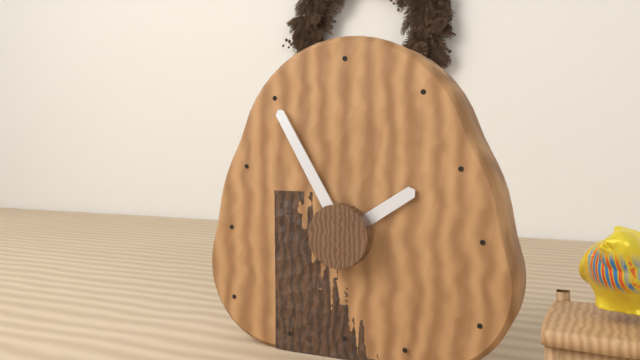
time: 1:55
